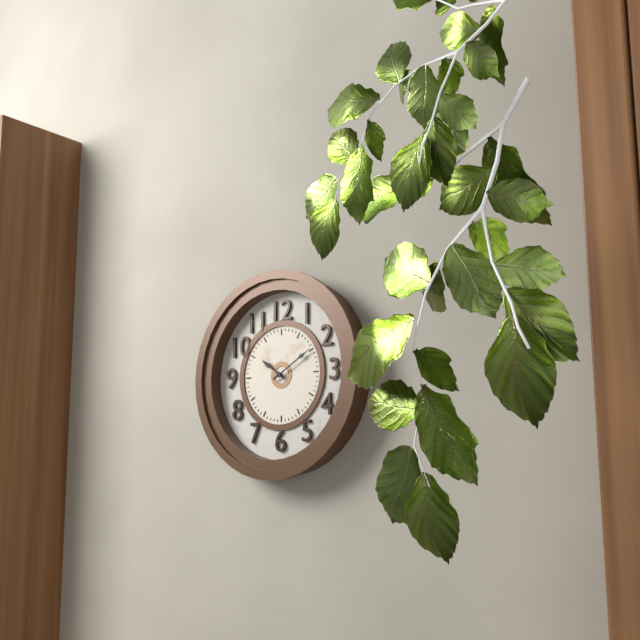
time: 10:10
